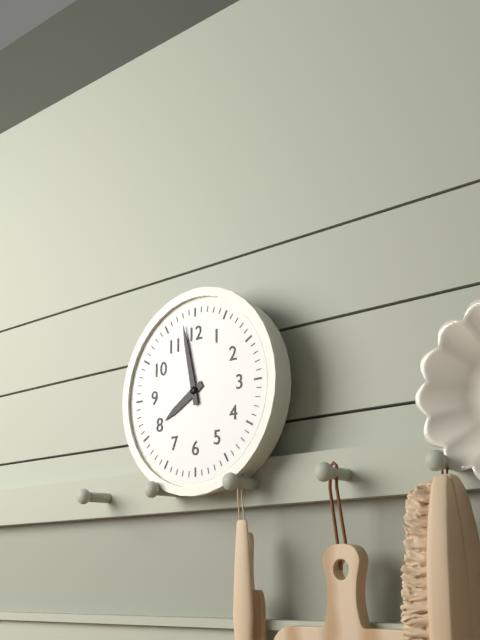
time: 7:58
